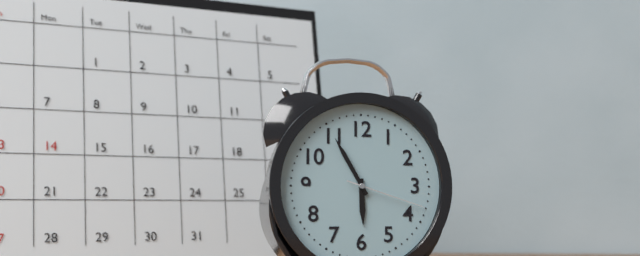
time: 5:55:18
